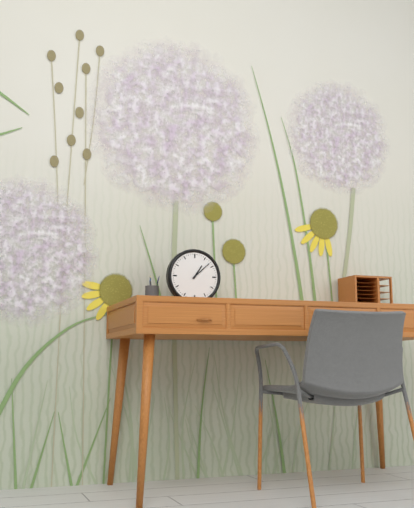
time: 1:08
